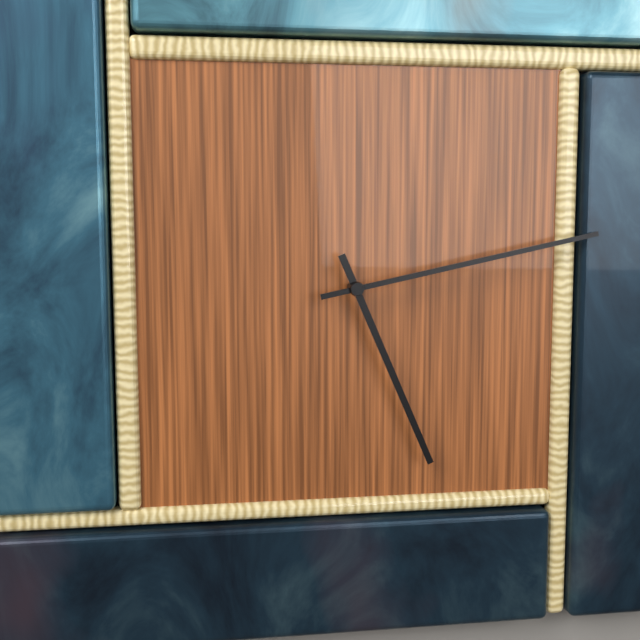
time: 5:13
